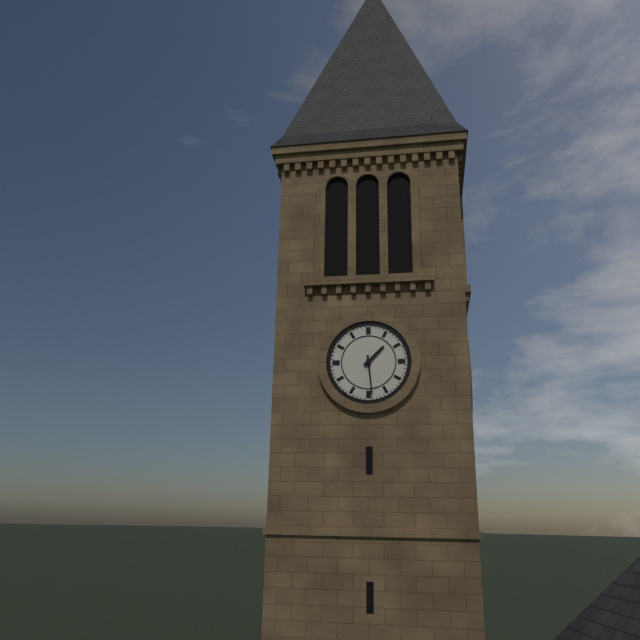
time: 1:29
